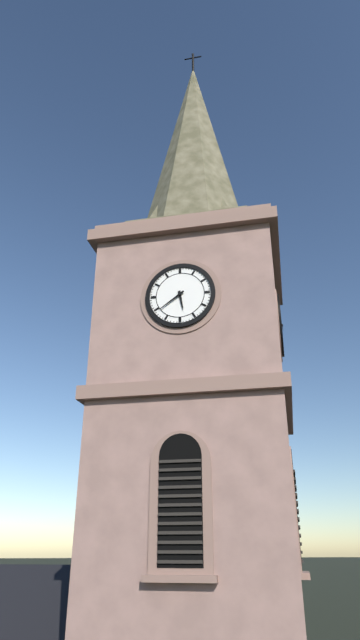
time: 5:39
